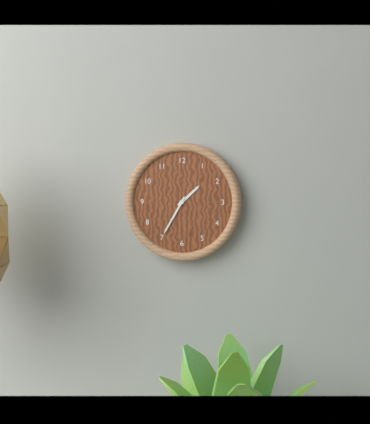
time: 1:35
